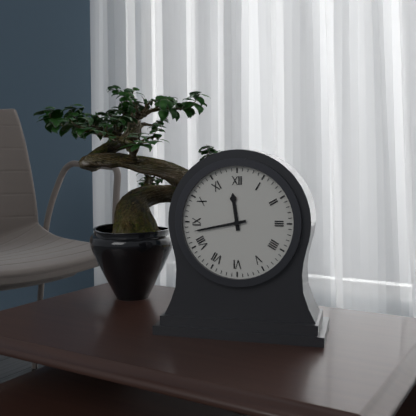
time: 11:43
